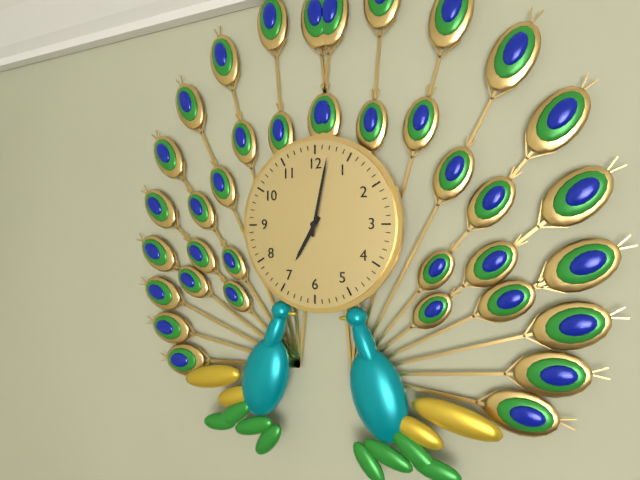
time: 7:02
